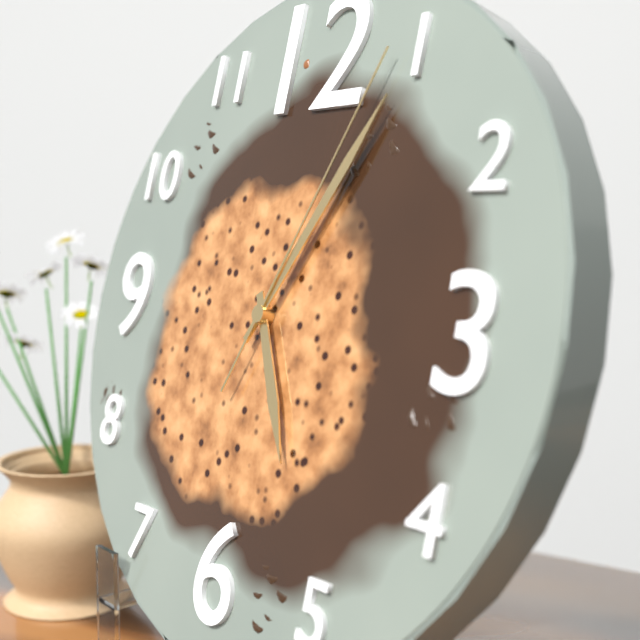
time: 5:05:04
